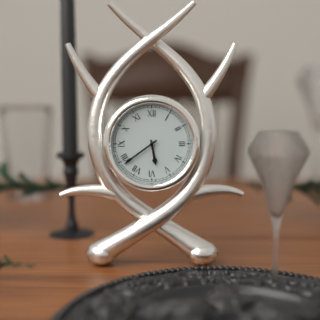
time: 5:39
